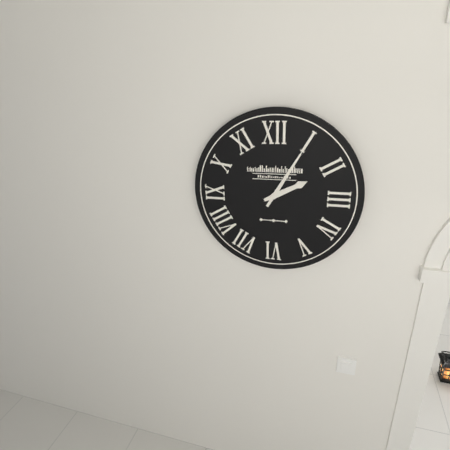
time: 2:05
